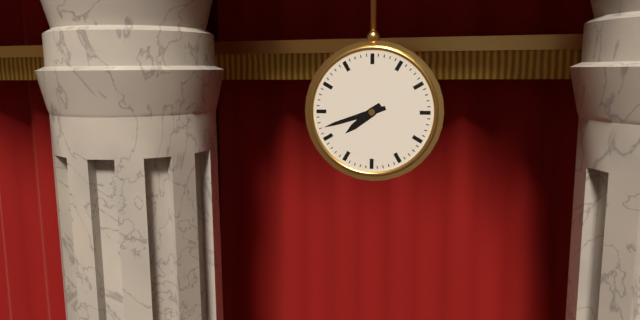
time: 7:42
